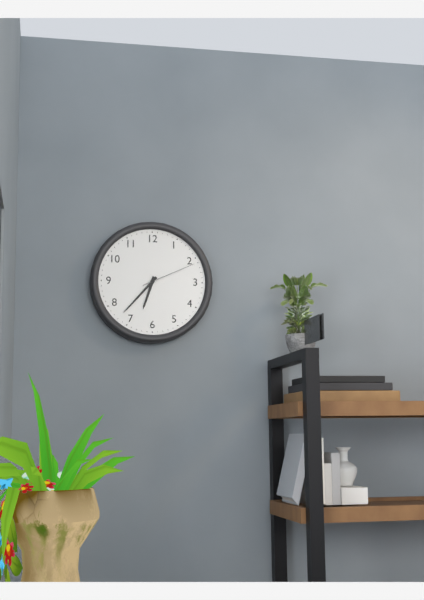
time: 6:37:11
